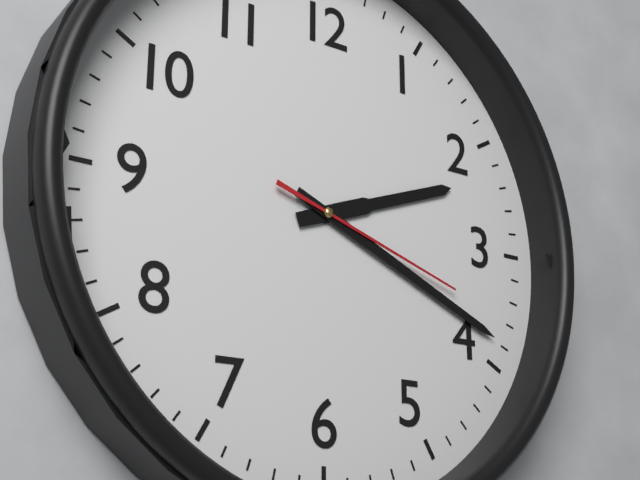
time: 2:19:18
